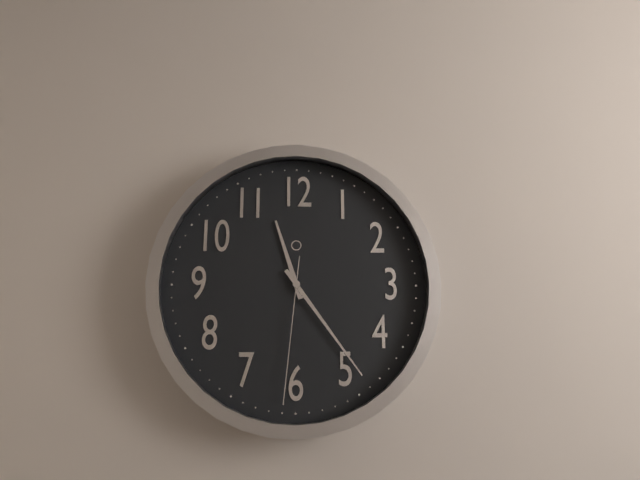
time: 11:24:31
